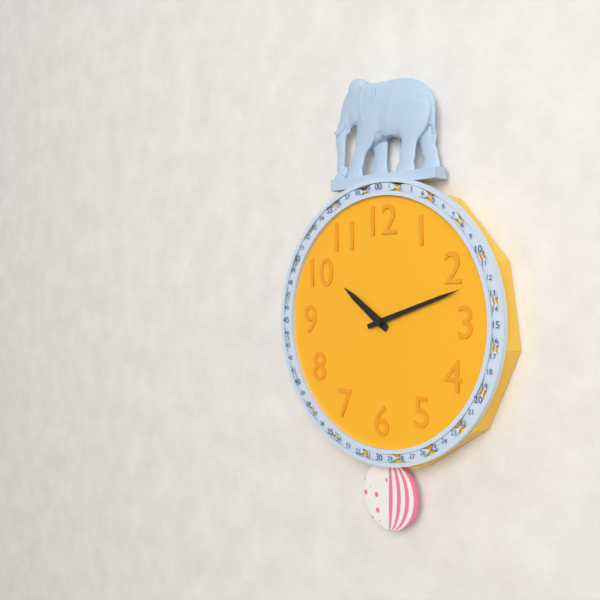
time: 10:12
